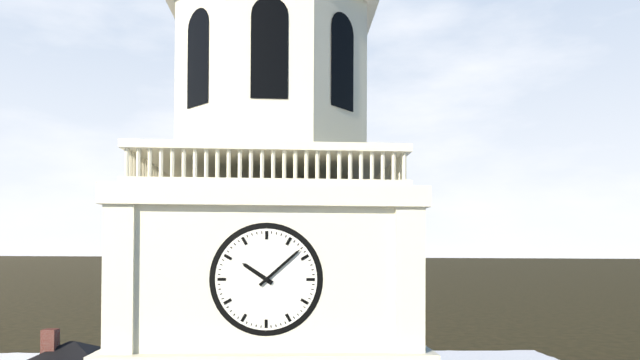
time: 10:08
